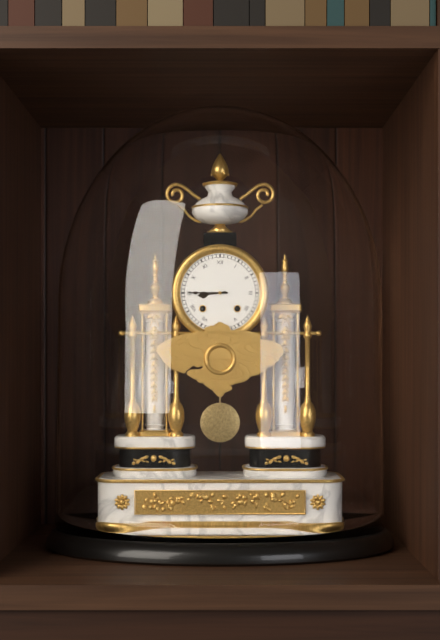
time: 8:45
